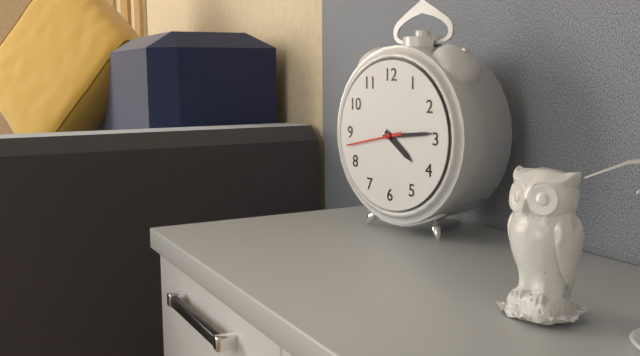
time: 4:14:43
